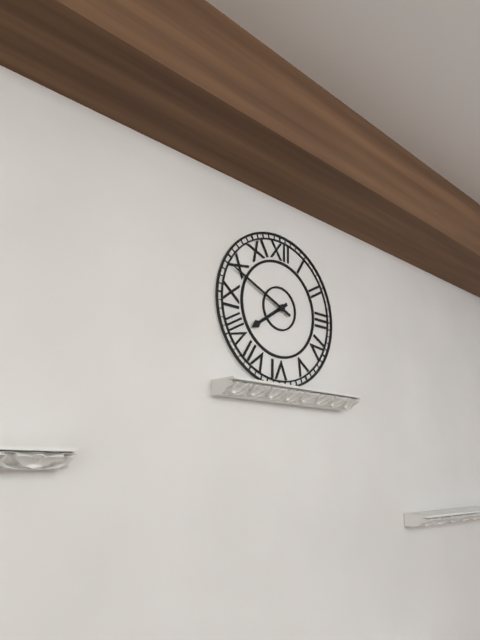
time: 7:49
